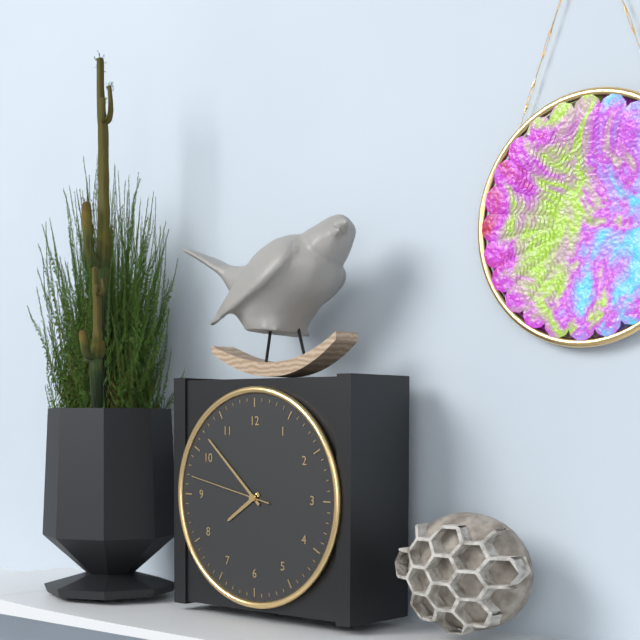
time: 7:52:47
